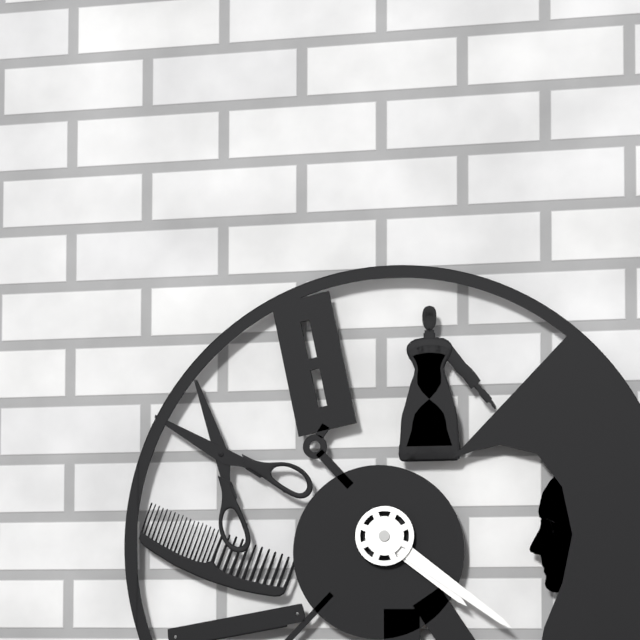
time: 4:21
